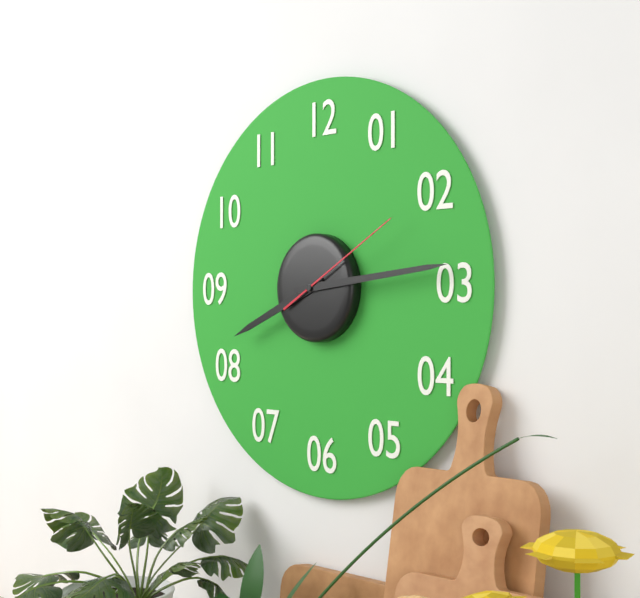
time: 8:14:10
